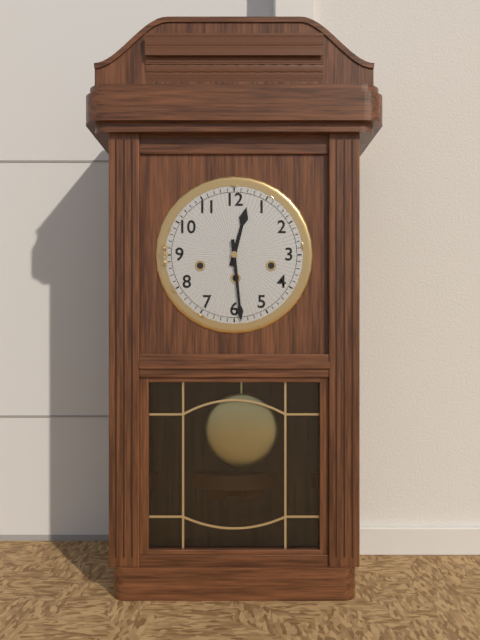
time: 12:29
